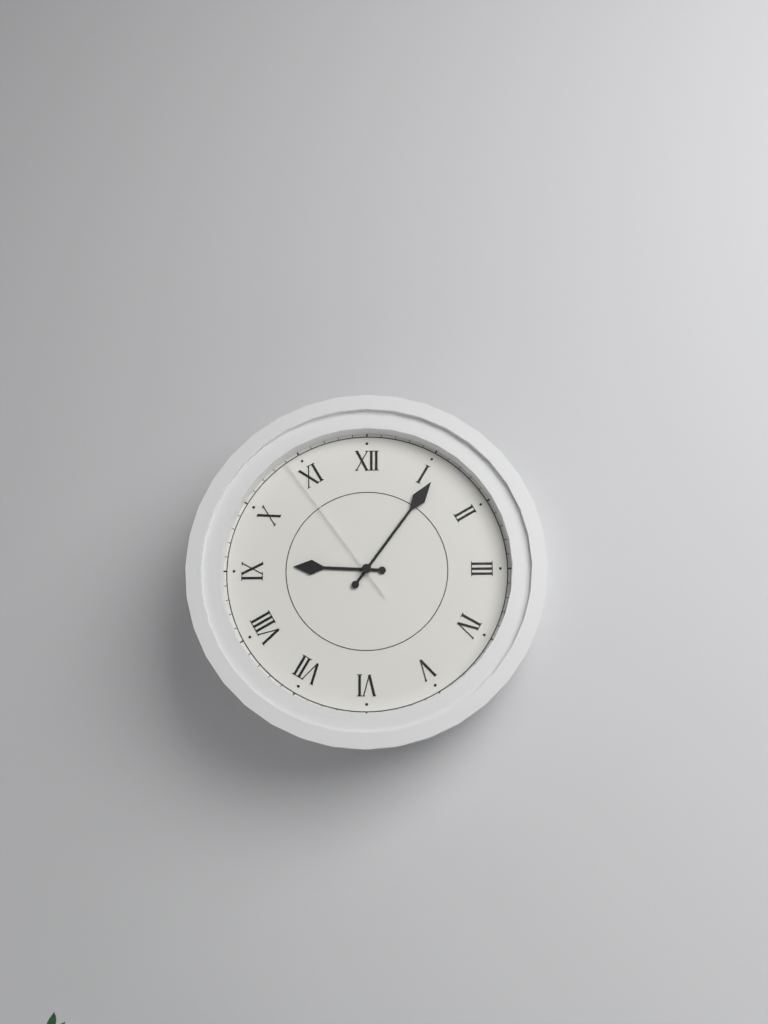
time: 9:06:54
